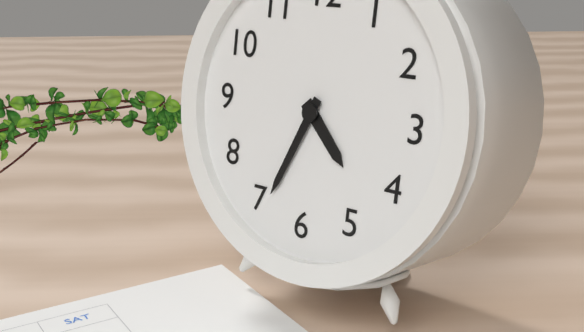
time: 4:34
